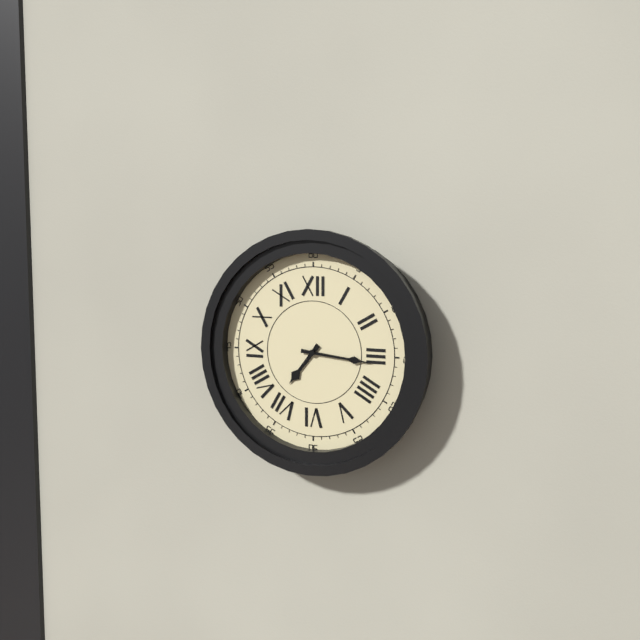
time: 7:16
